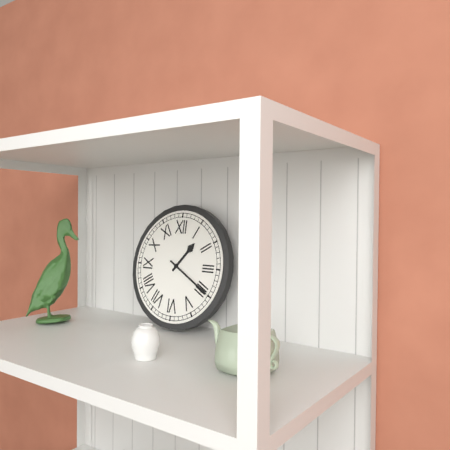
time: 1:20
